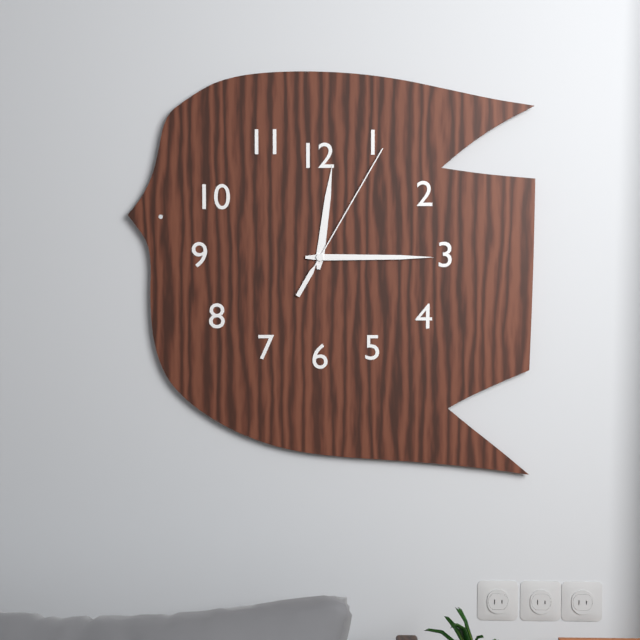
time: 12:15:05
